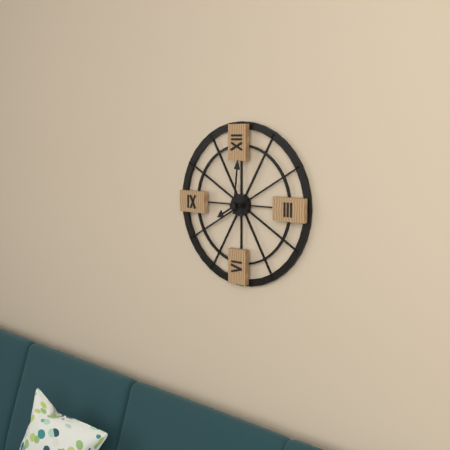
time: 8:01
